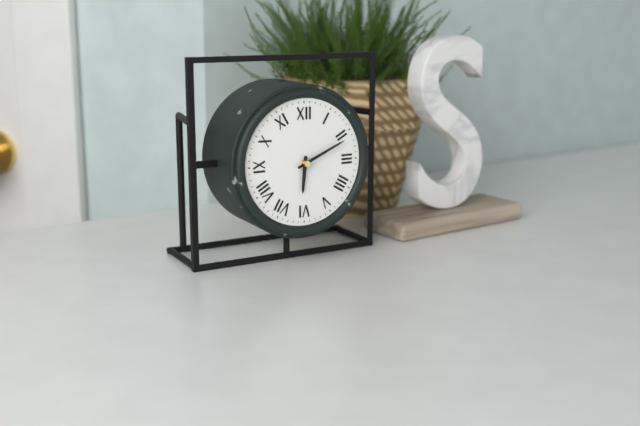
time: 6:11
